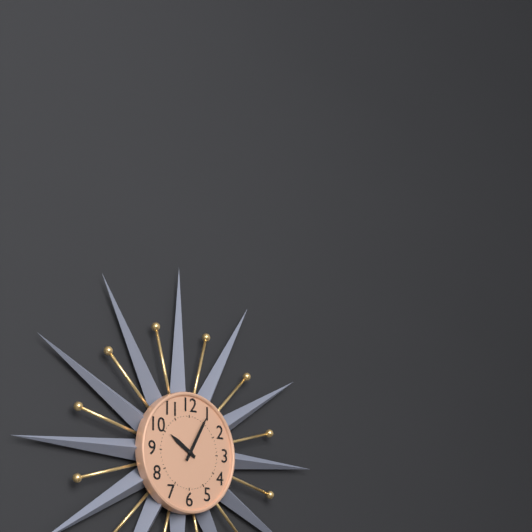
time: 10:05
